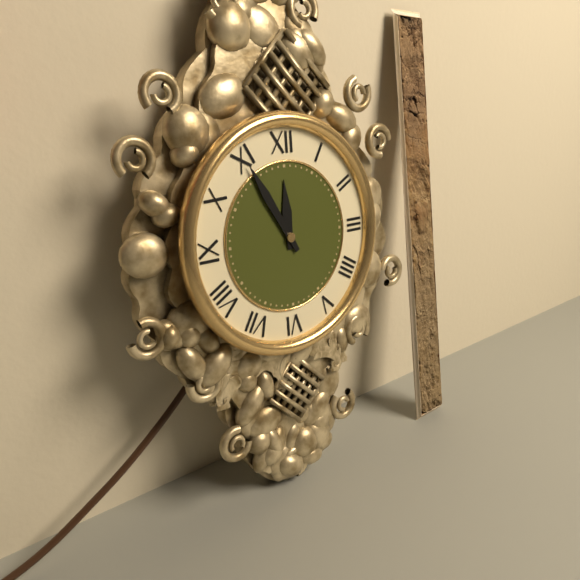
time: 11:55
